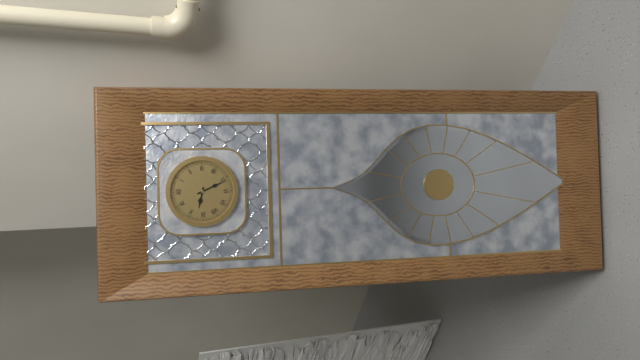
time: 9:26
